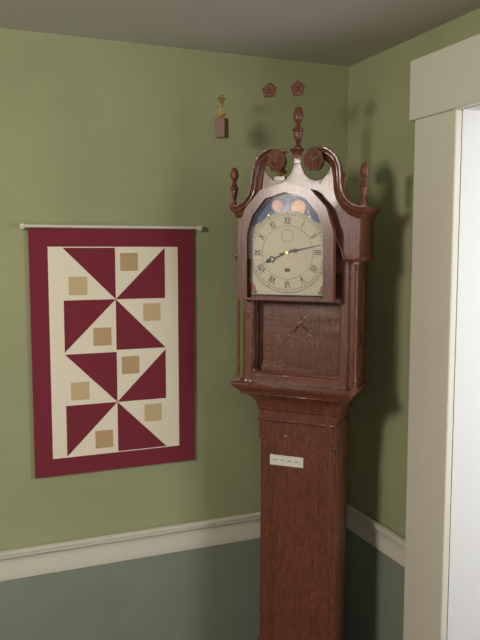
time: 8:13
